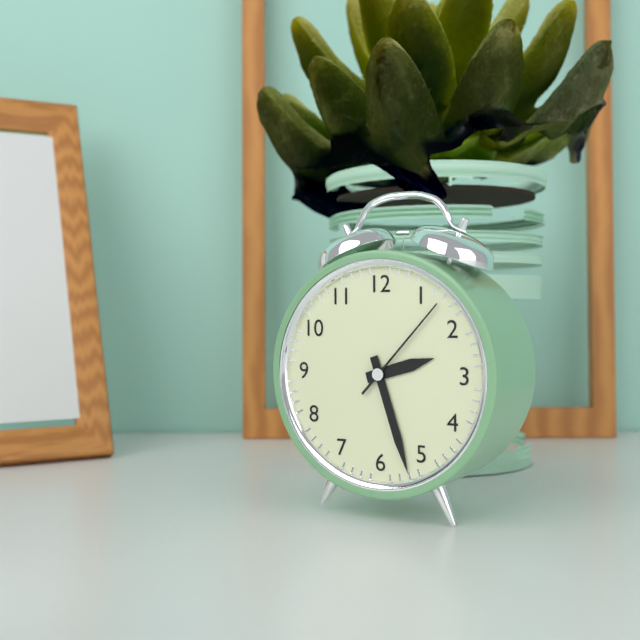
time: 2:27:07
